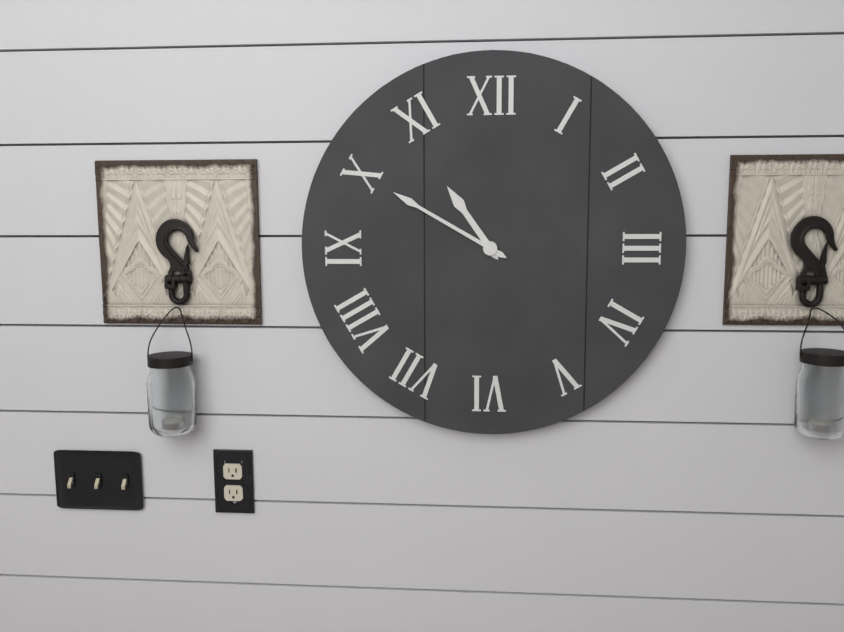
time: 10:50
